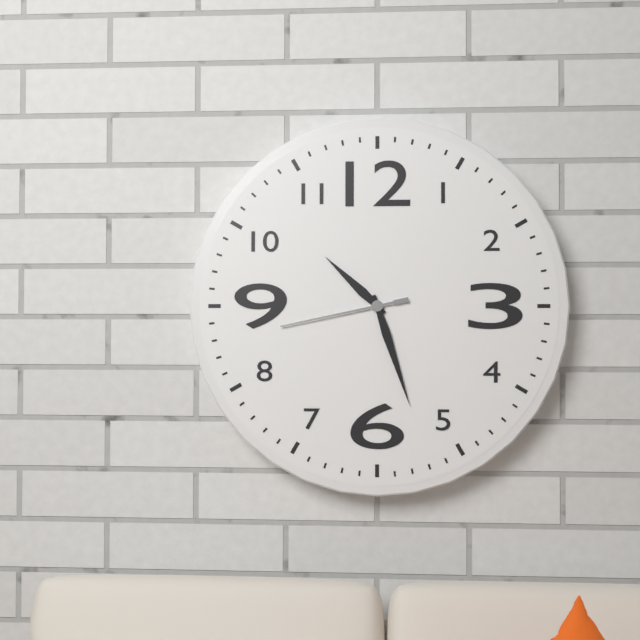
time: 10:27:43
